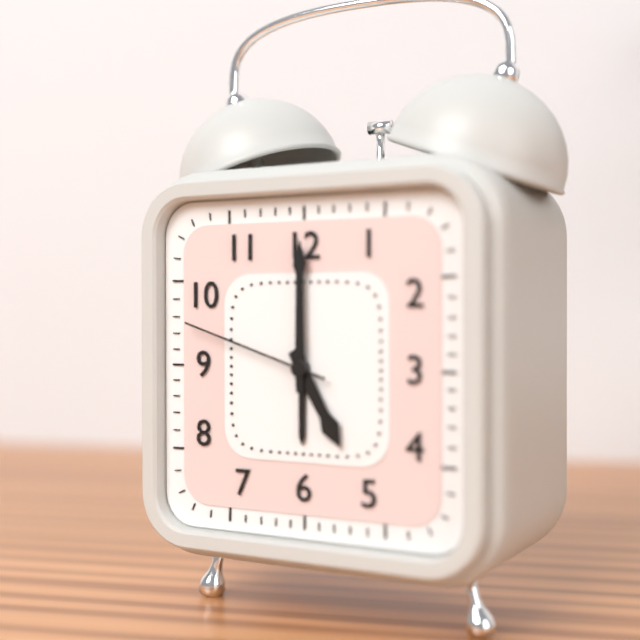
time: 5:00:48
